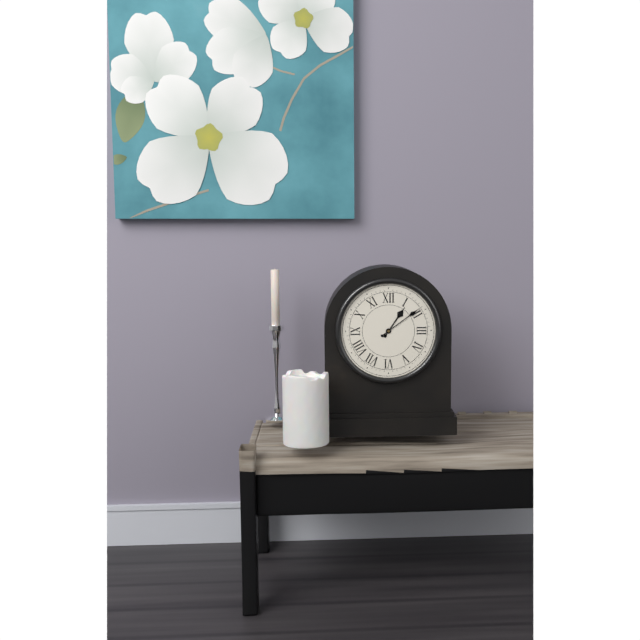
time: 1:09
